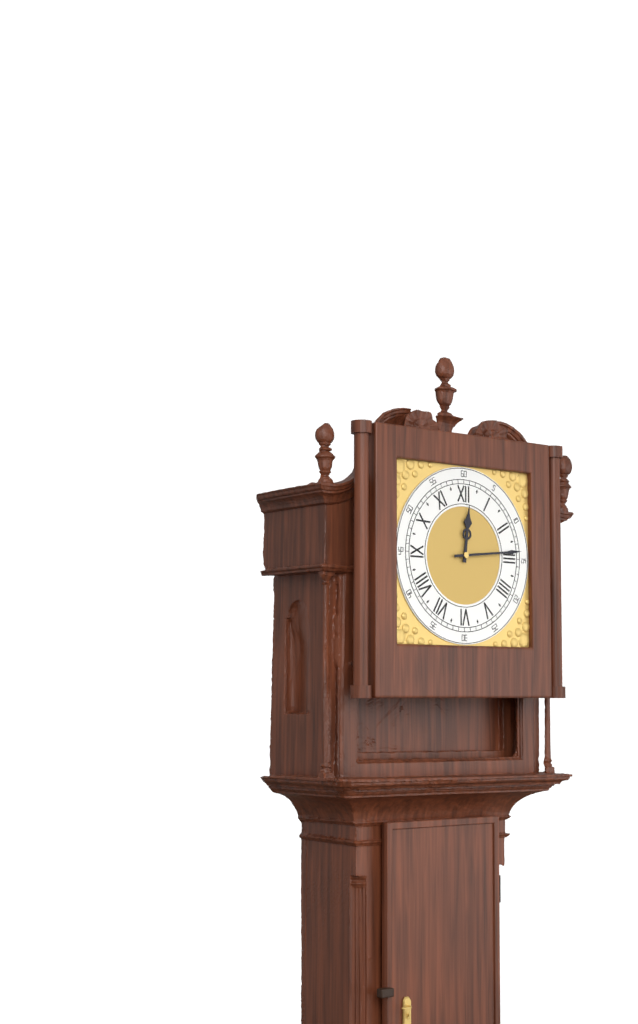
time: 12:14
